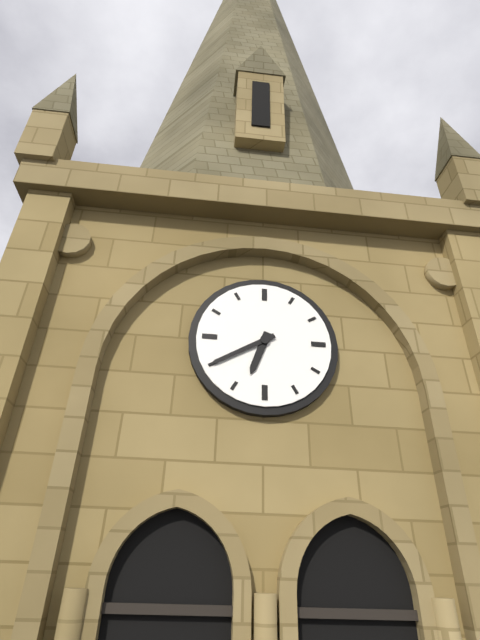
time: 6:40
